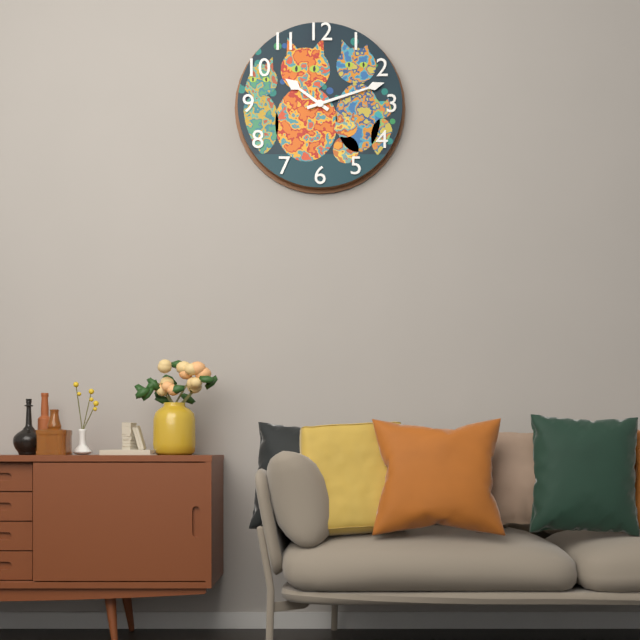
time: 10:12
